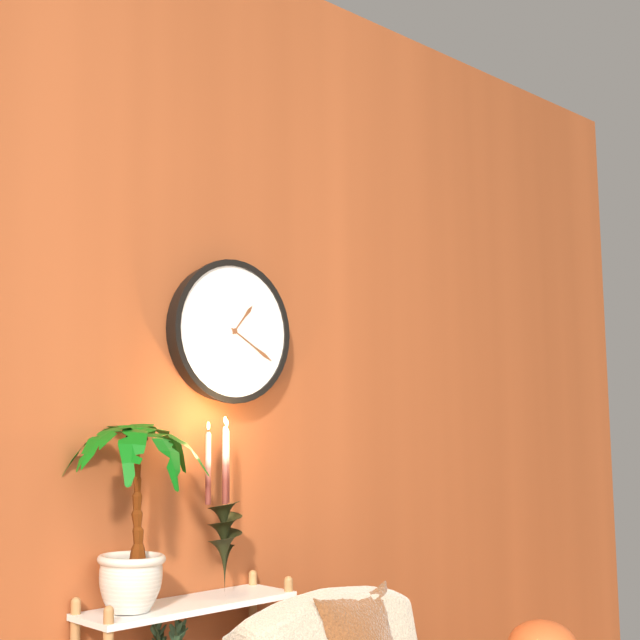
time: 1:20
